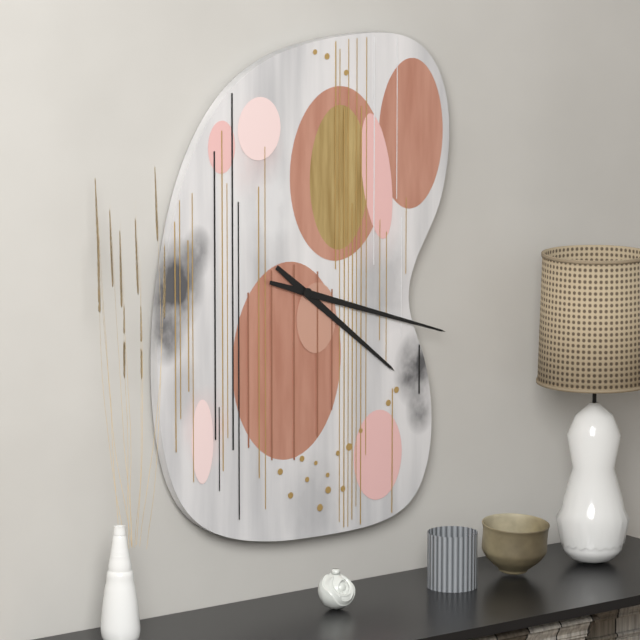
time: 4:18
